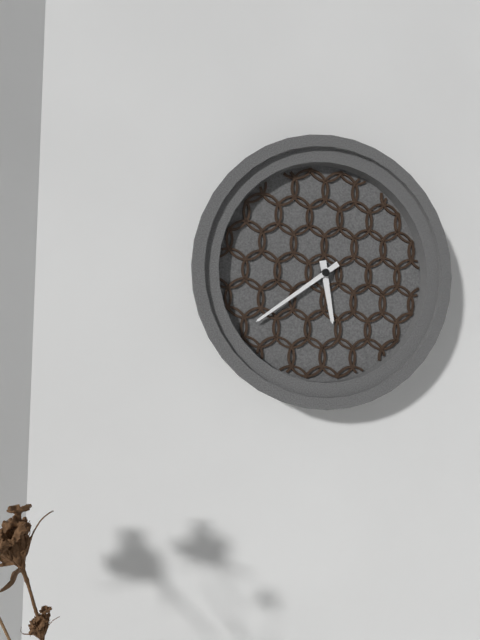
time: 5:39
